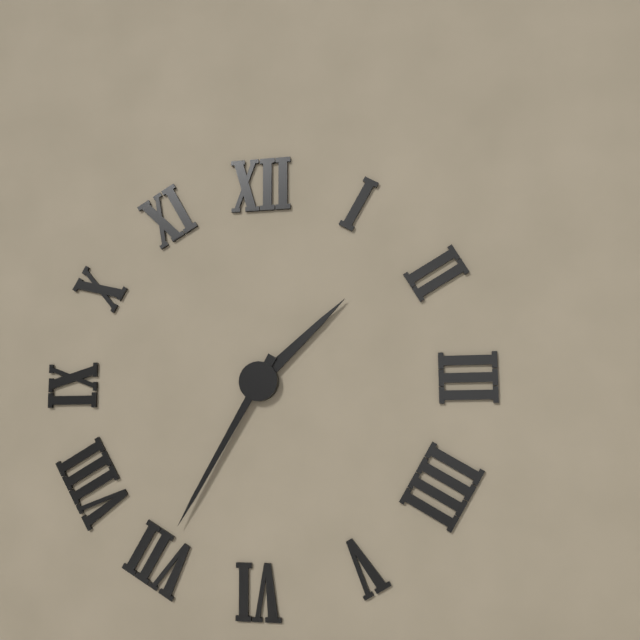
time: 1:35
